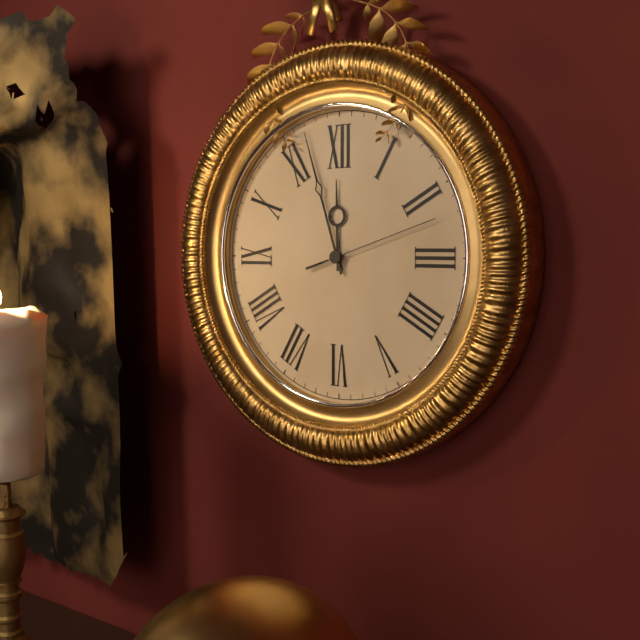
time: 11:57:12
